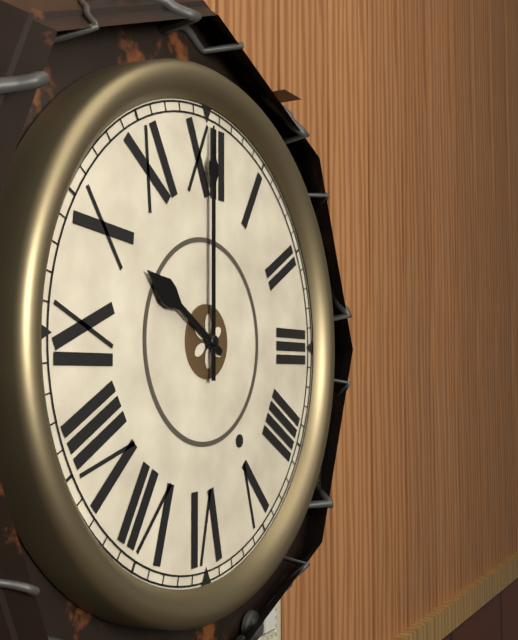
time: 10:00
